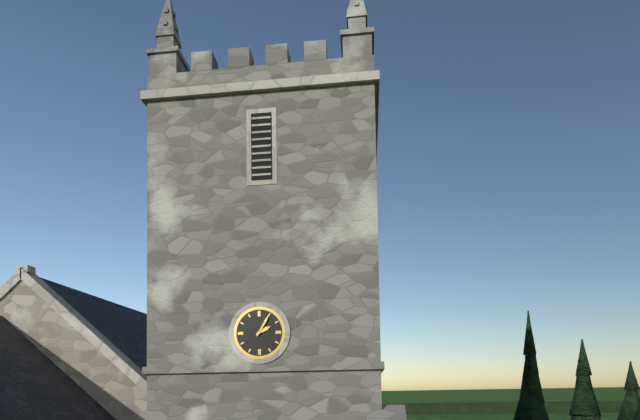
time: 2:05
